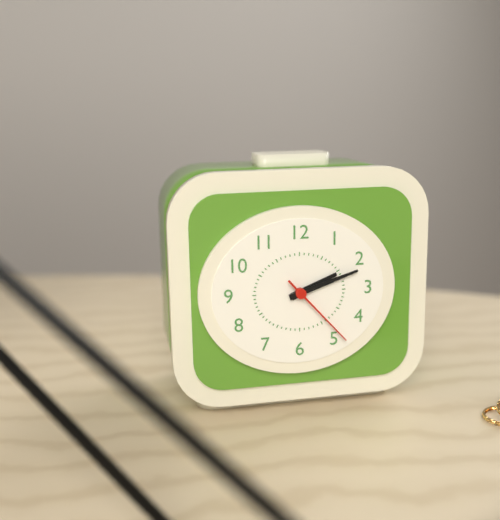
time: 2:12:23
